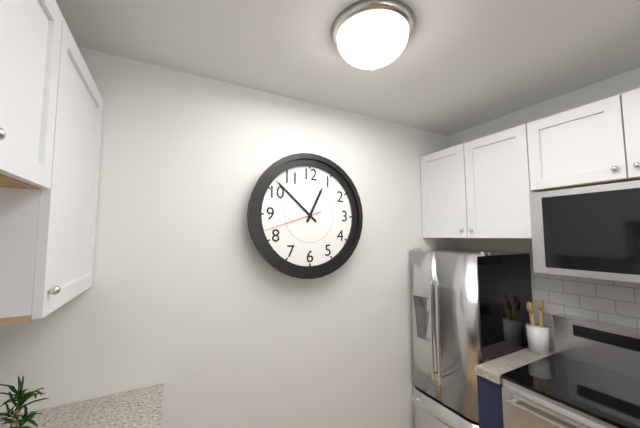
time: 12:52:42
